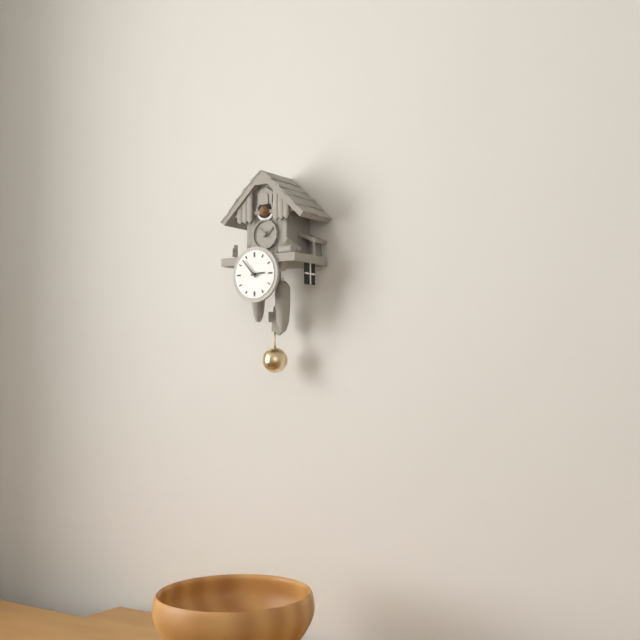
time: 2:53
